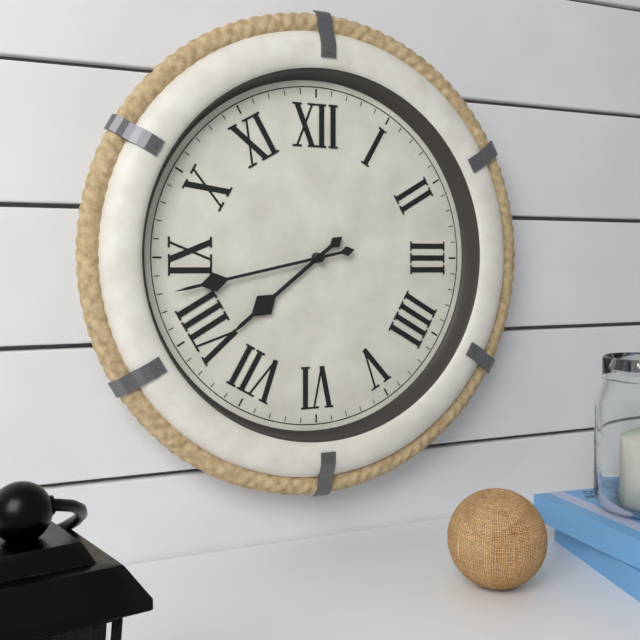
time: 7:43
